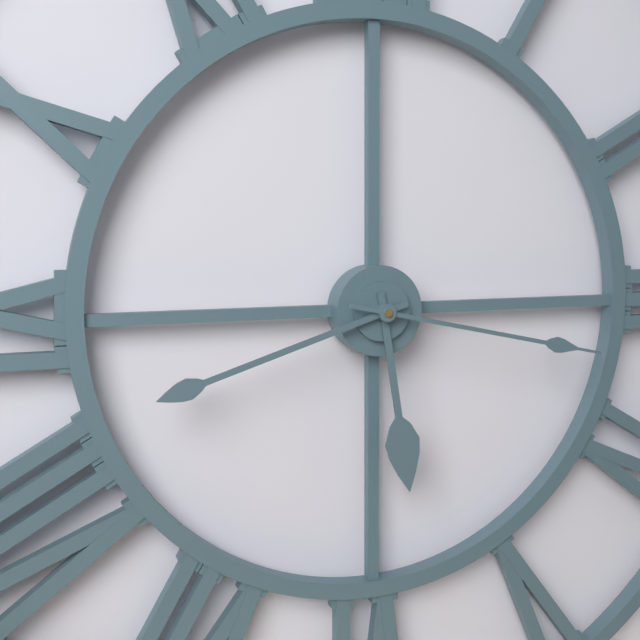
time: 5:42:17
